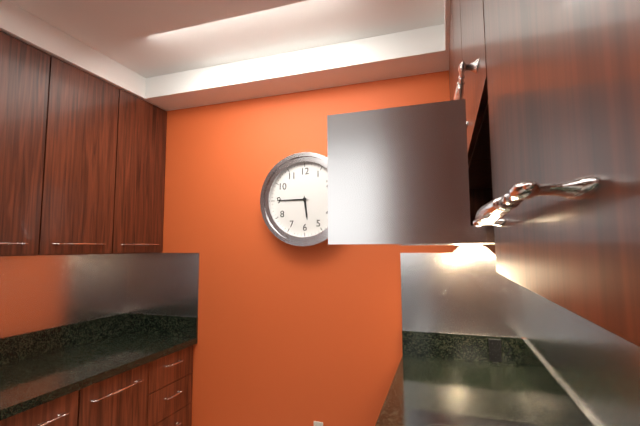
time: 5:45
